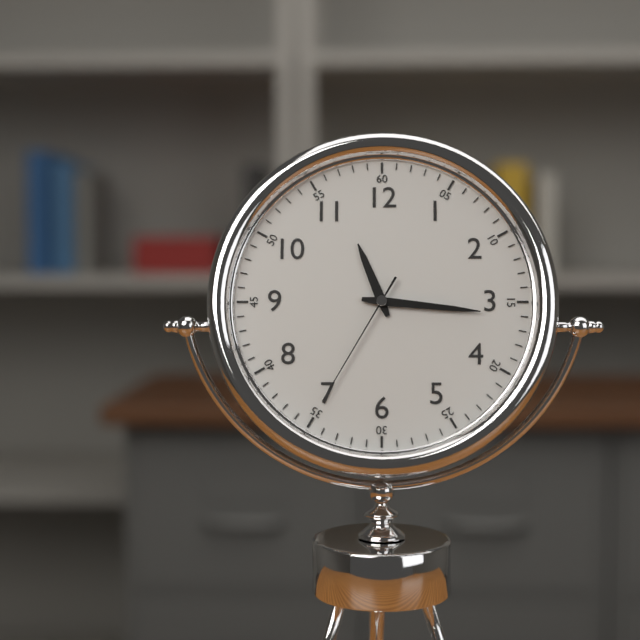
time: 11:16:35
